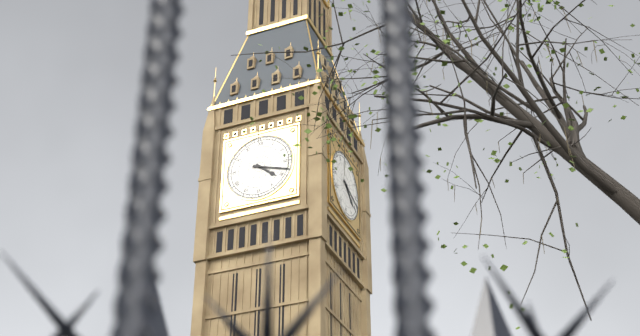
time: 4:18
